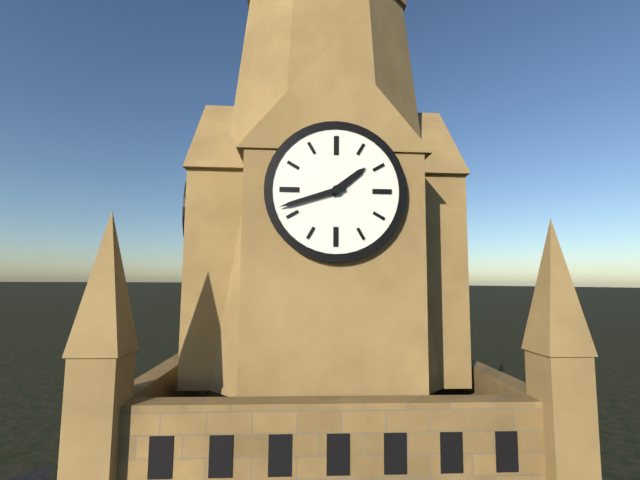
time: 1:42
